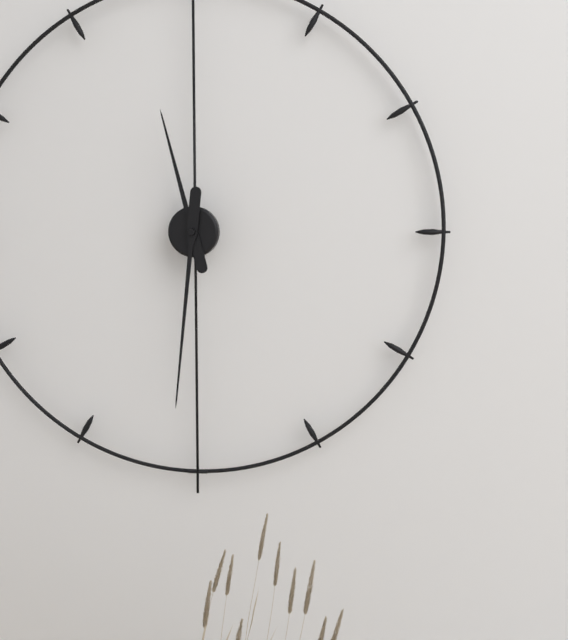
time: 11:31
